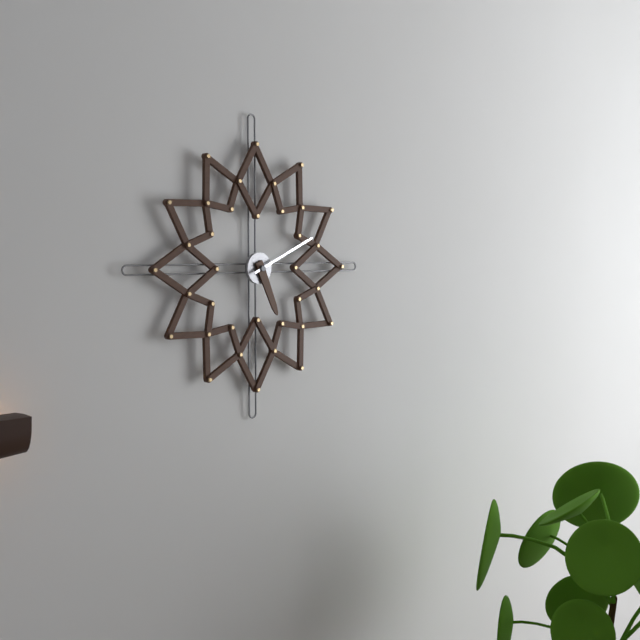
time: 5:11
